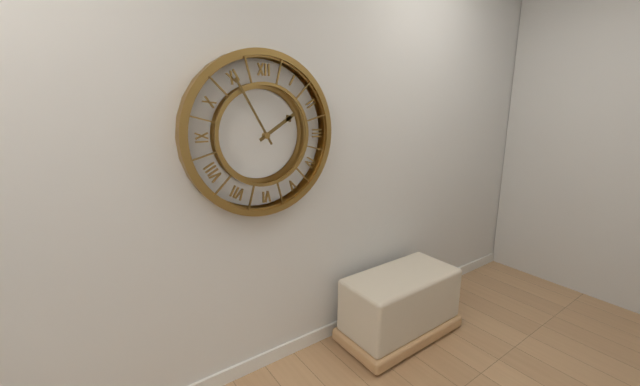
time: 1:55
